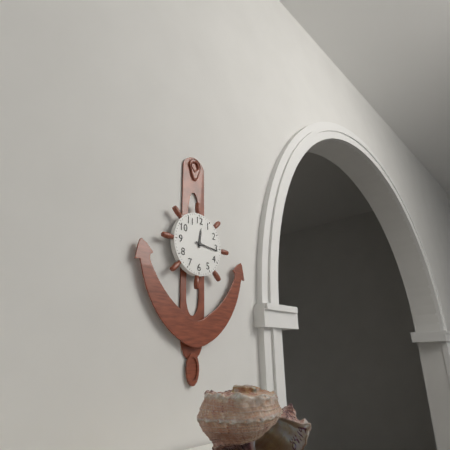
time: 12:16
